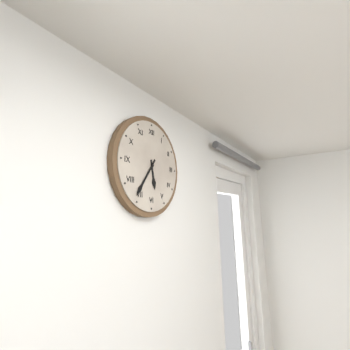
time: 5:36
